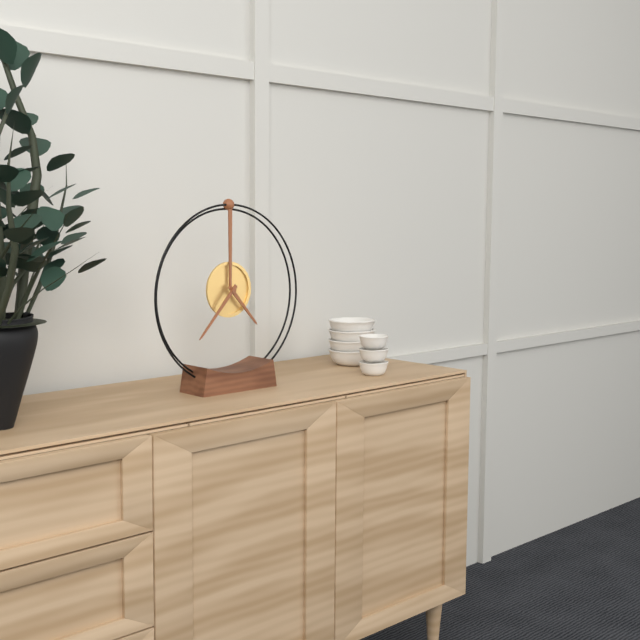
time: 4:37
